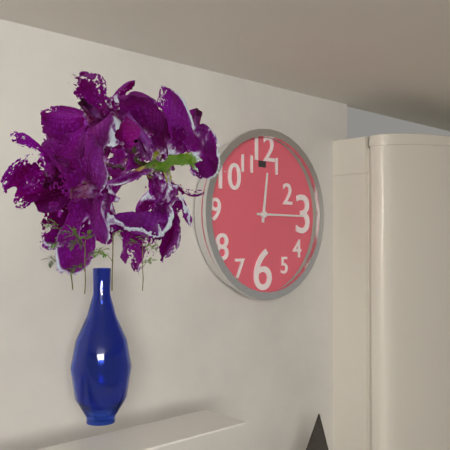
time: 12:15
